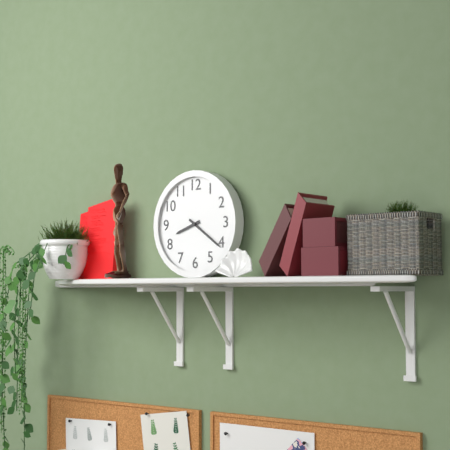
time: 8:21
